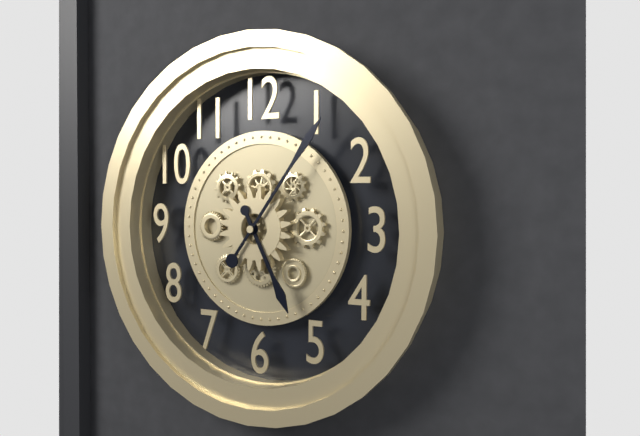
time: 5:06
